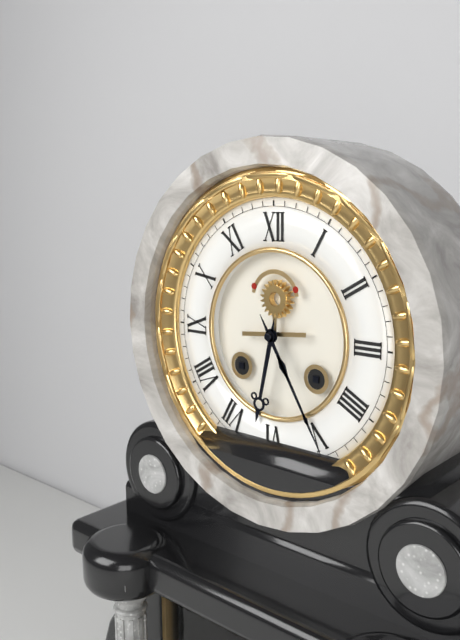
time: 6:25
